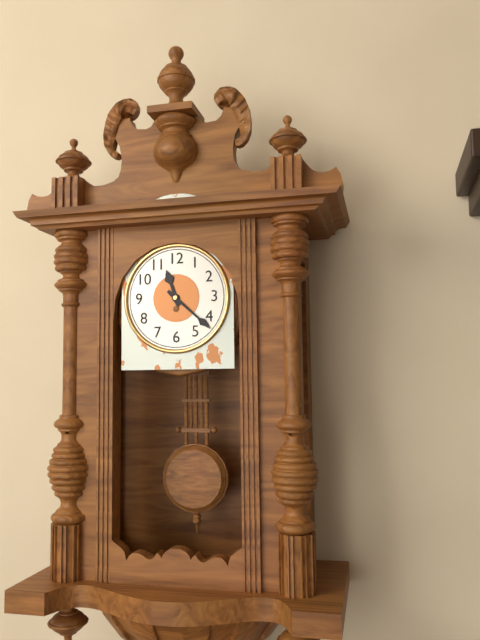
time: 11:22
